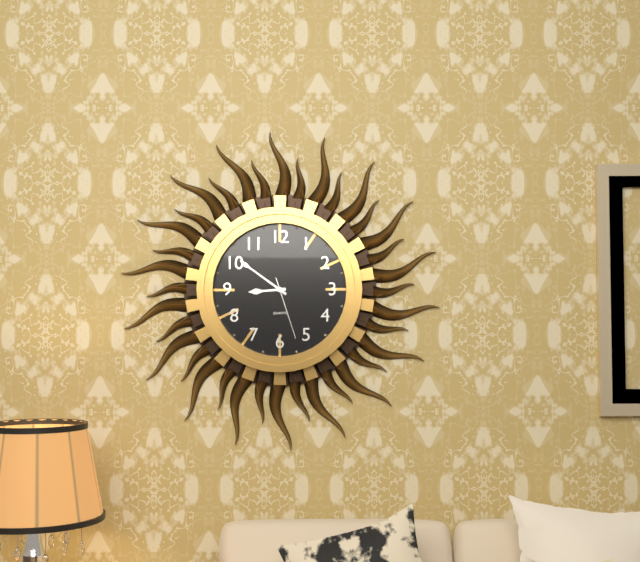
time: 8:51:27
